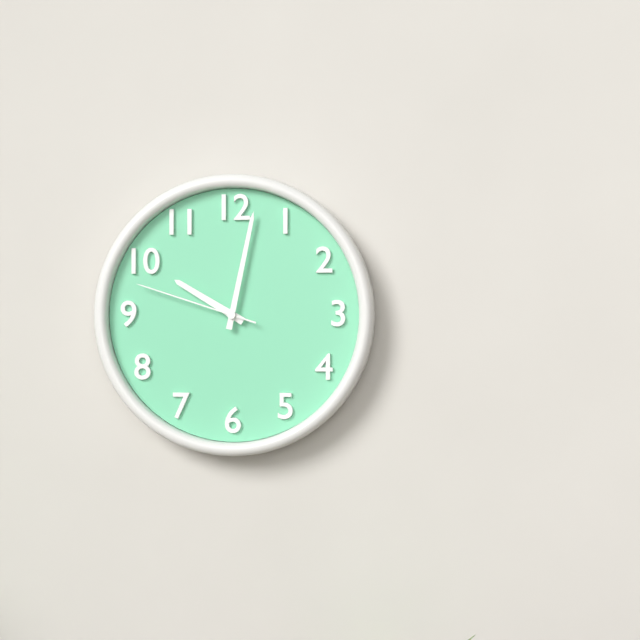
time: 10:02:48
